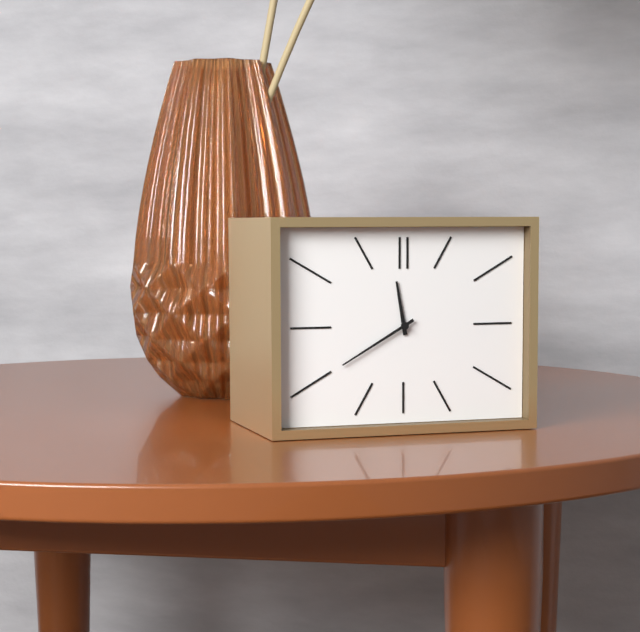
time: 11:40
